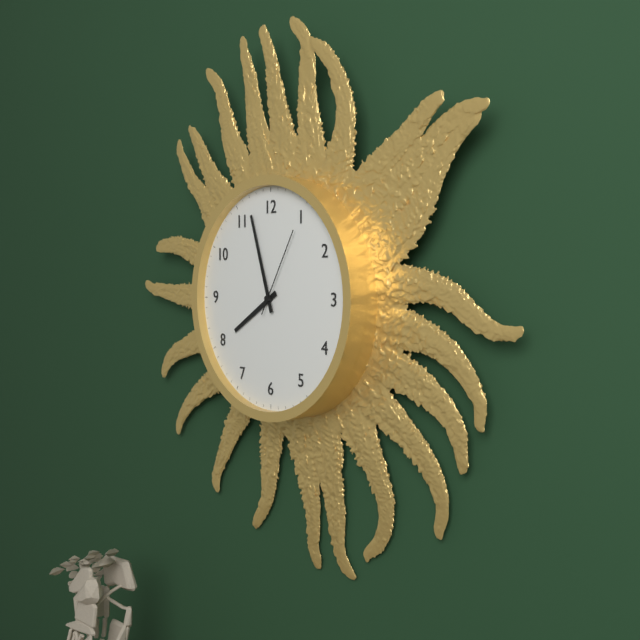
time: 7:57:05
